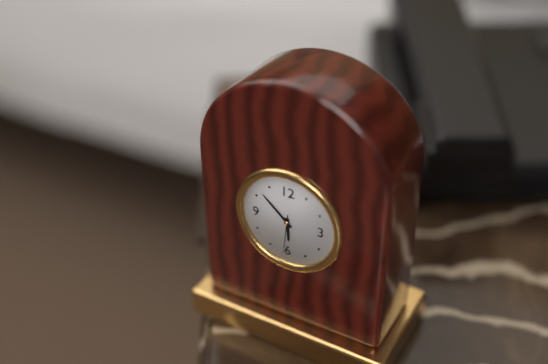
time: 5:52
